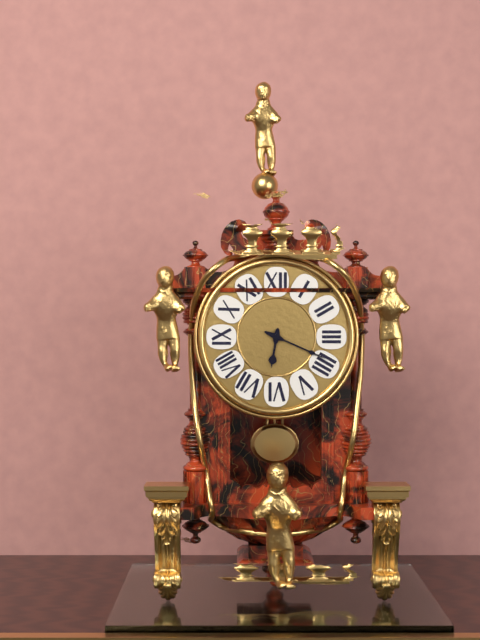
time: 6:19
